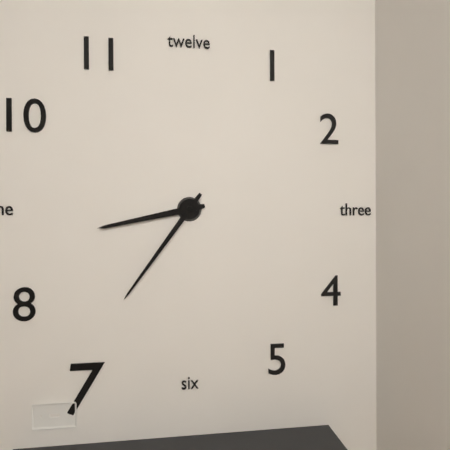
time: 8:36
